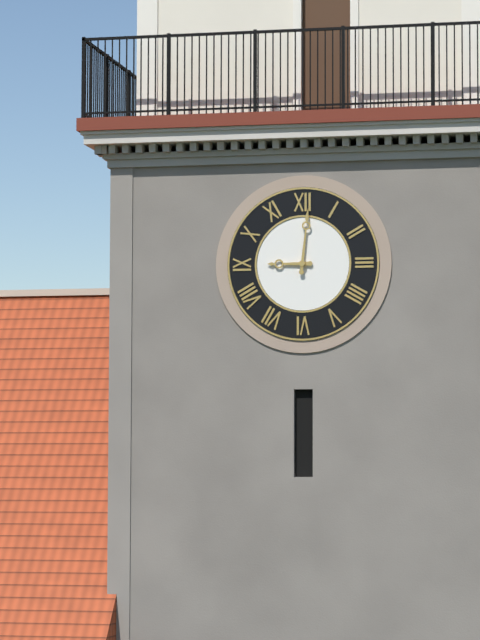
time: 9:01
